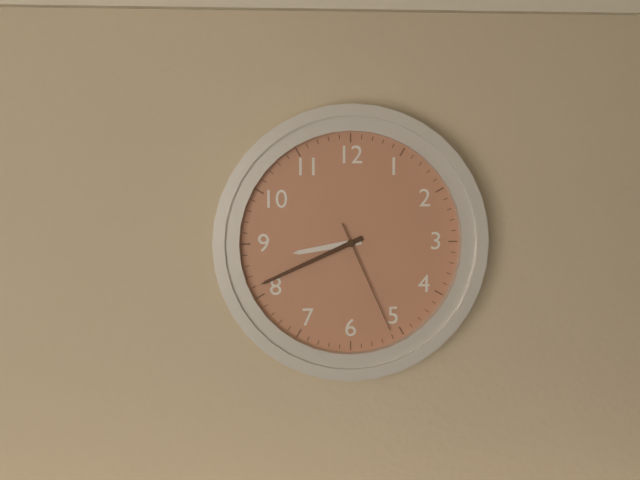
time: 8:41:26
